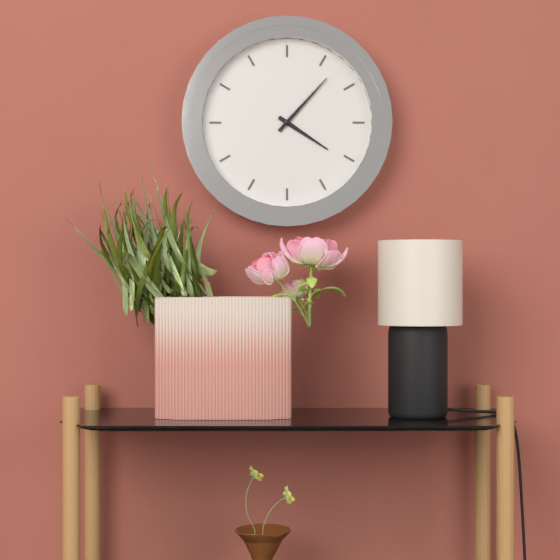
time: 4:07
